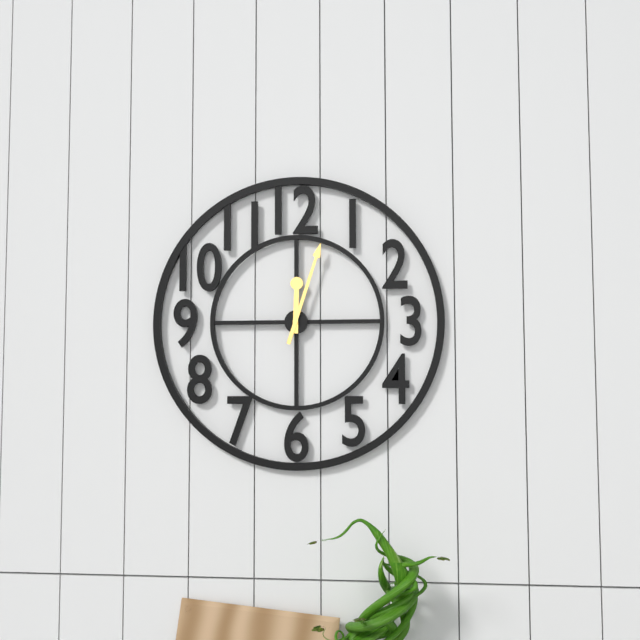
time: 12:03
